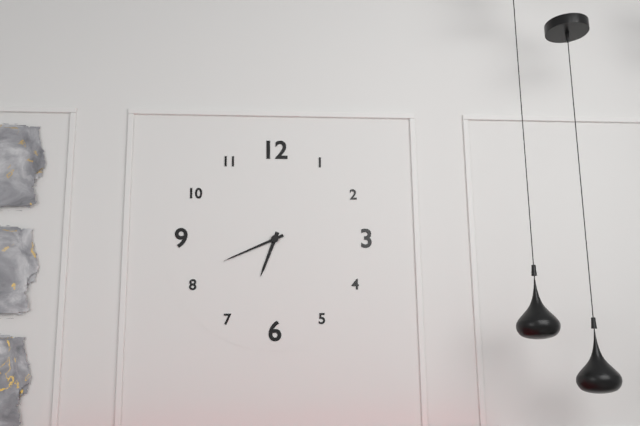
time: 6:41
